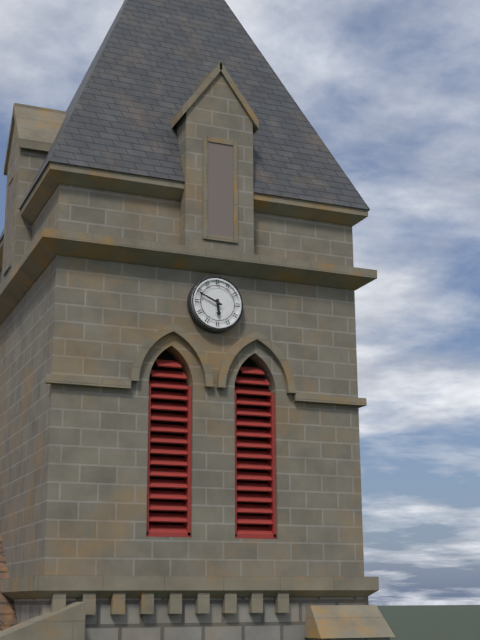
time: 5:49
